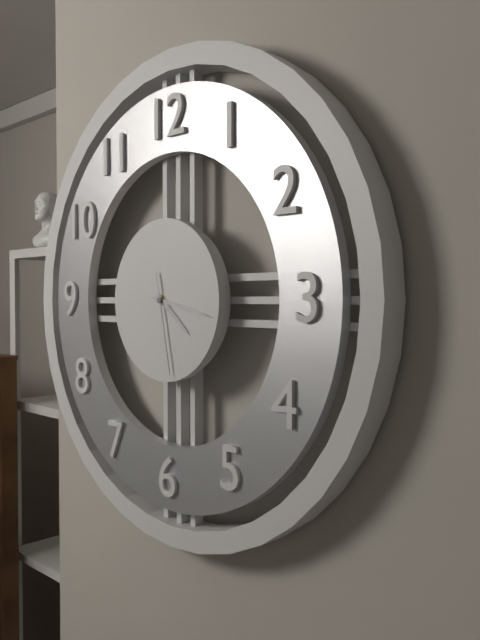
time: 4:17:28
